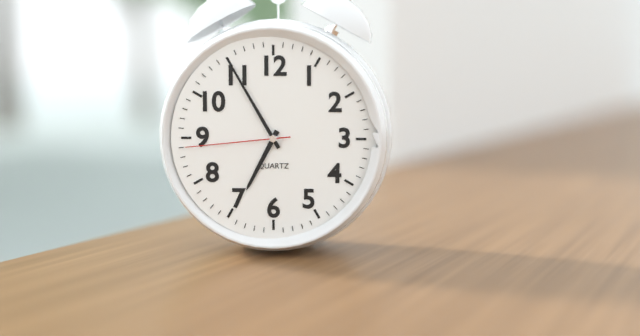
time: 6:55:44
